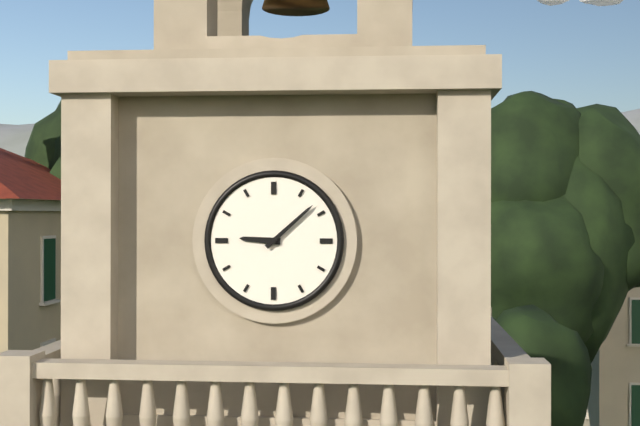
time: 9:08
